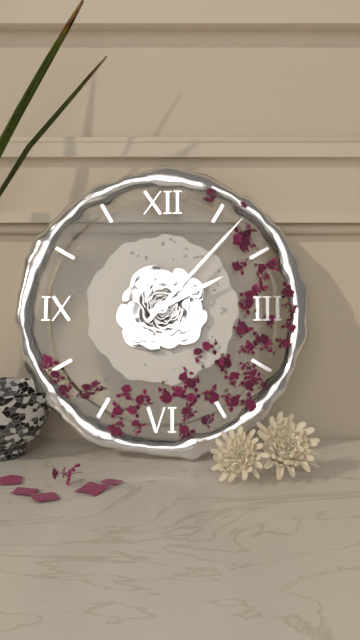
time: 2:07
